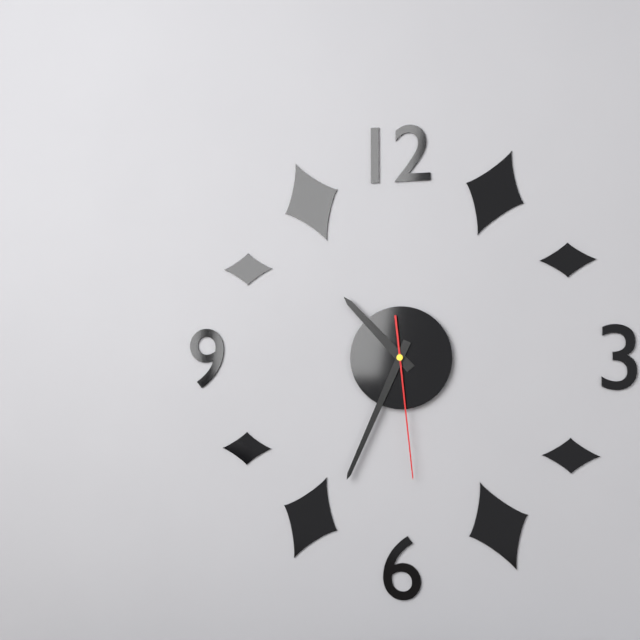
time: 10:34:29
